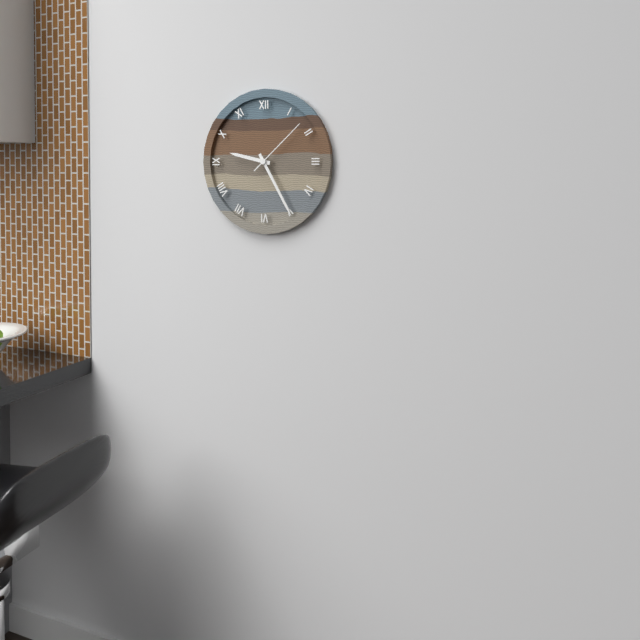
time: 9:25:08
